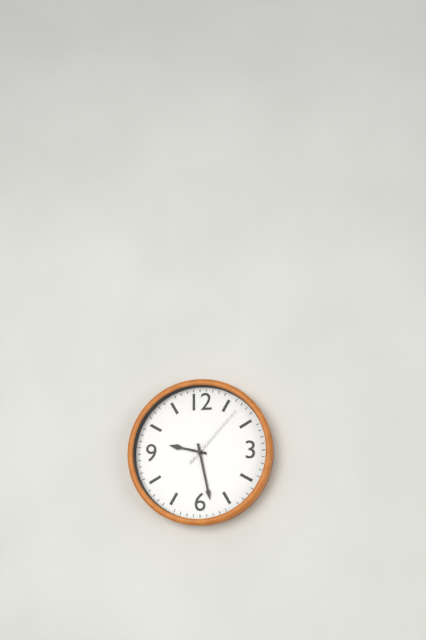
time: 9:28:07
